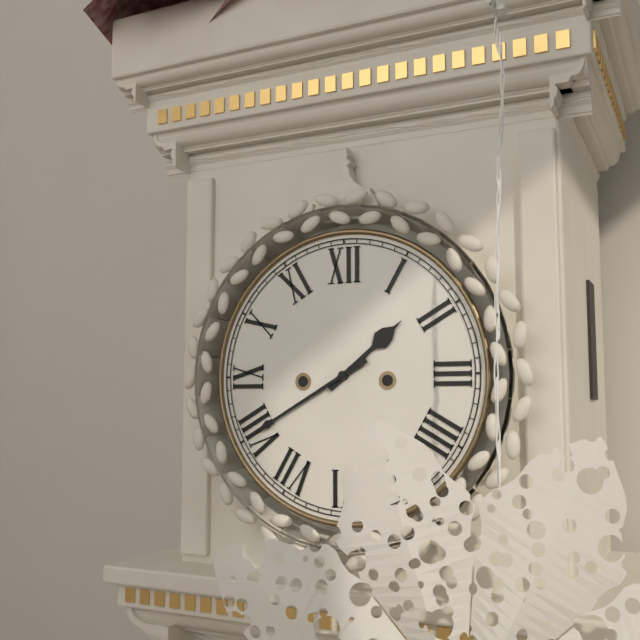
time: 1:40
